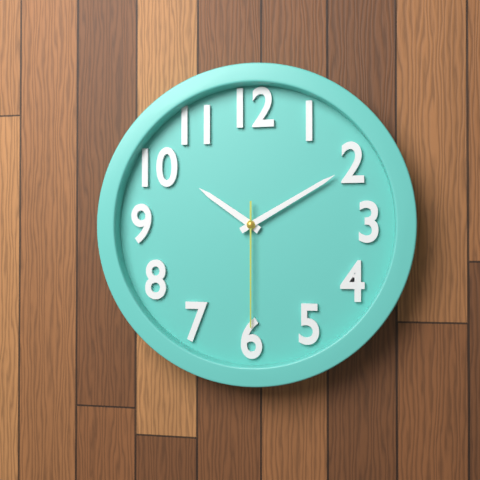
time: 10:10:30
